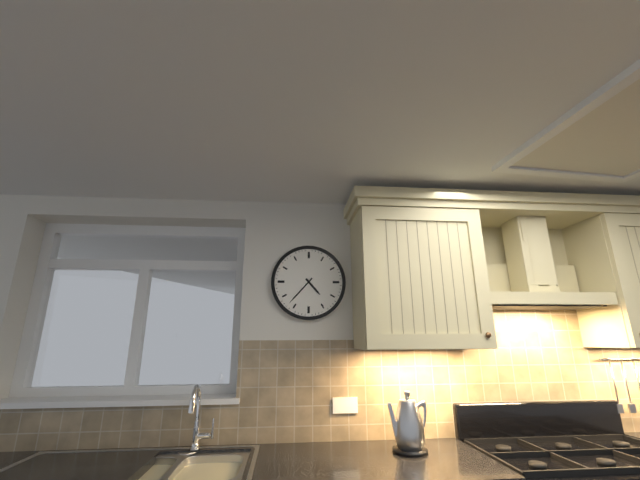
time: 4:37
